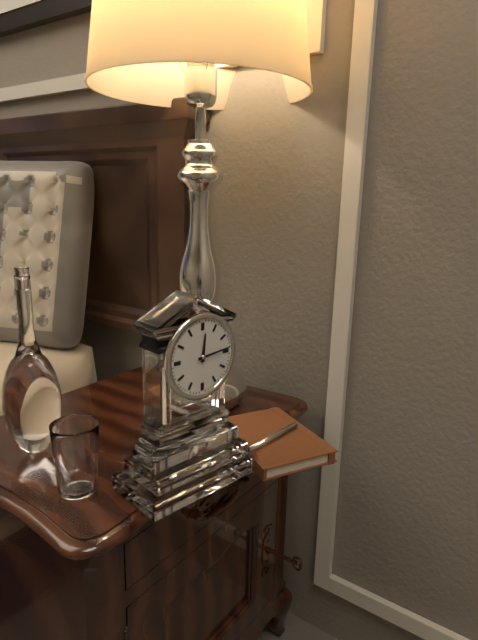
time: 12:14
